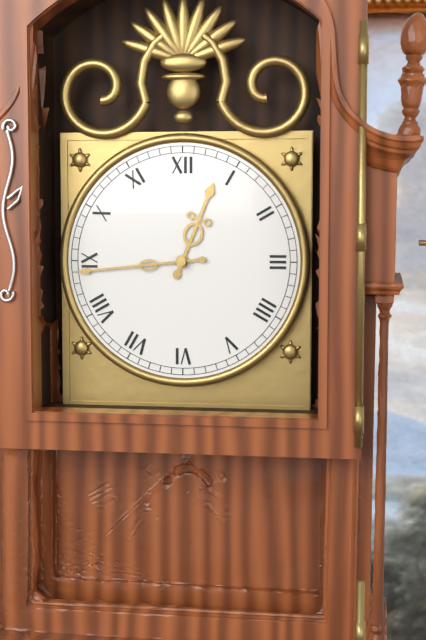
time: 12:44
